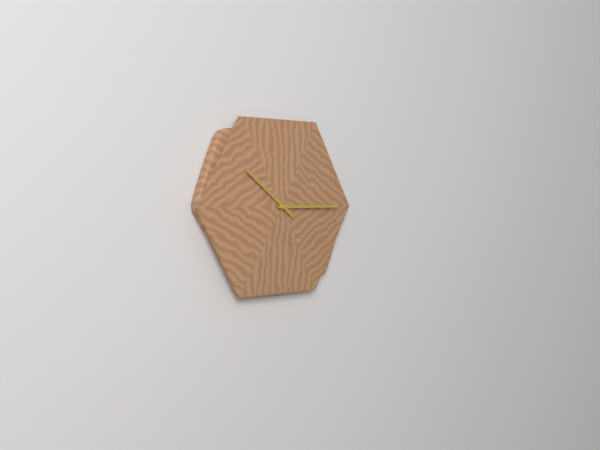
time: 10:15
